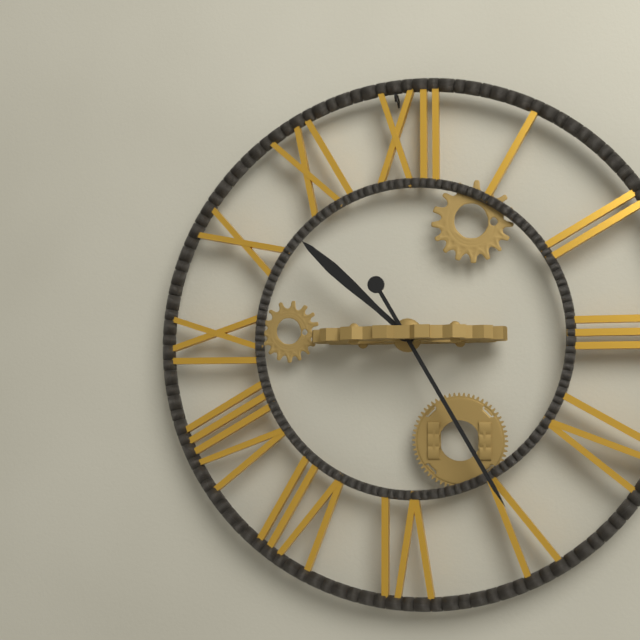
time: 10:25
